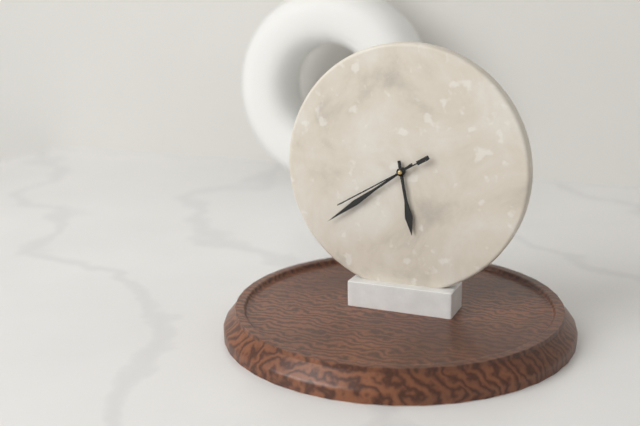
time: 5:39:40
